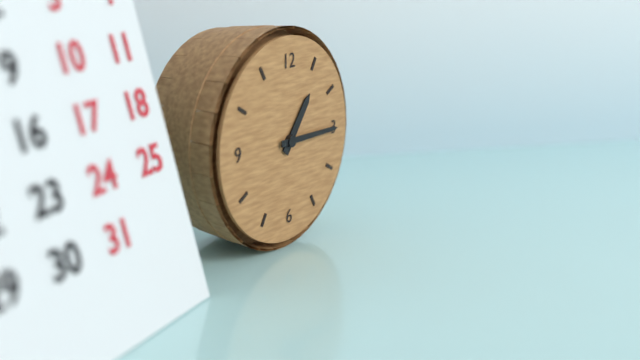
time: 1:15
